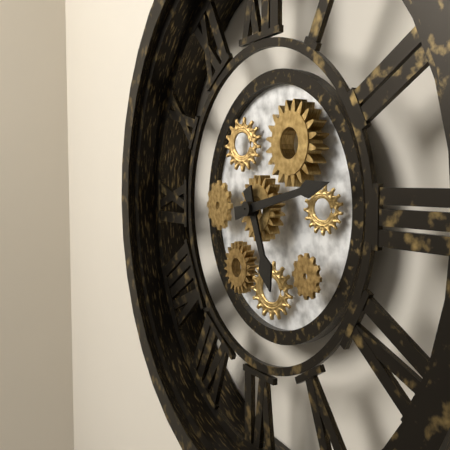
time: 5:13
